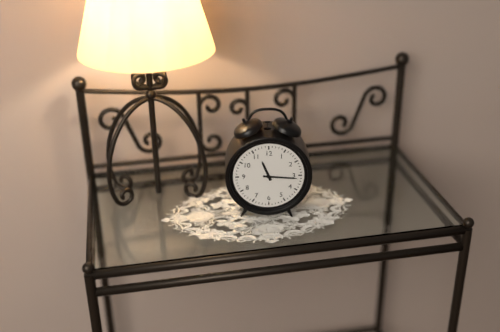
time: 11:16
